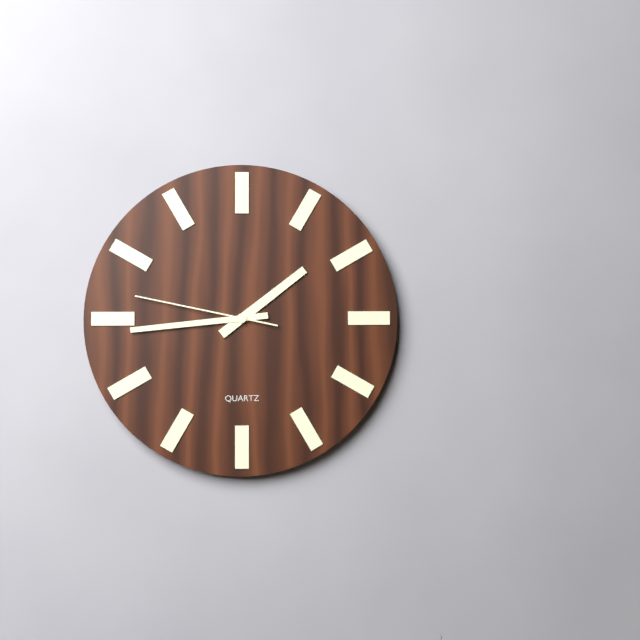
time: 1:44:47
